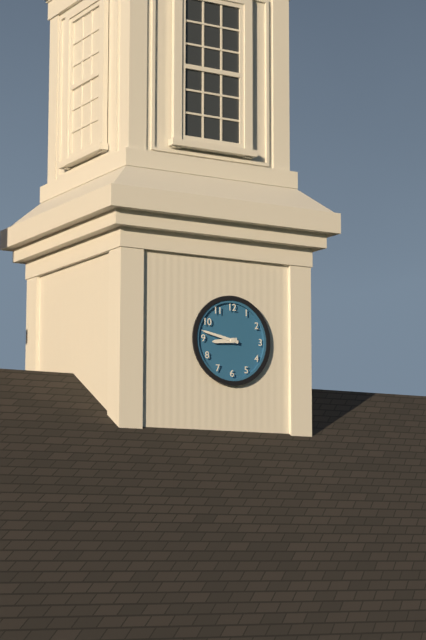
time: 8:47
